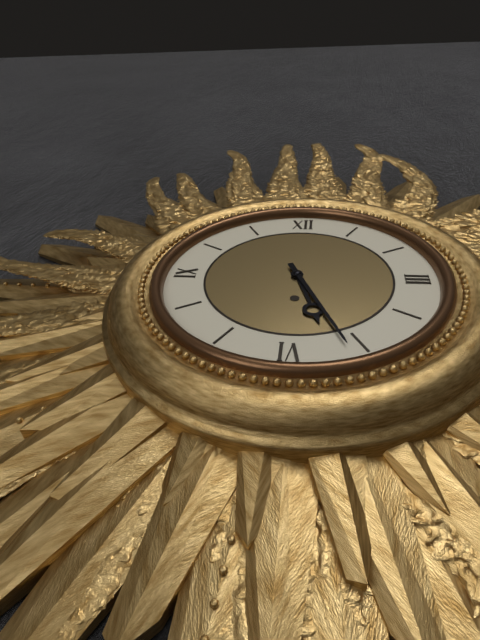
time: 5:26
